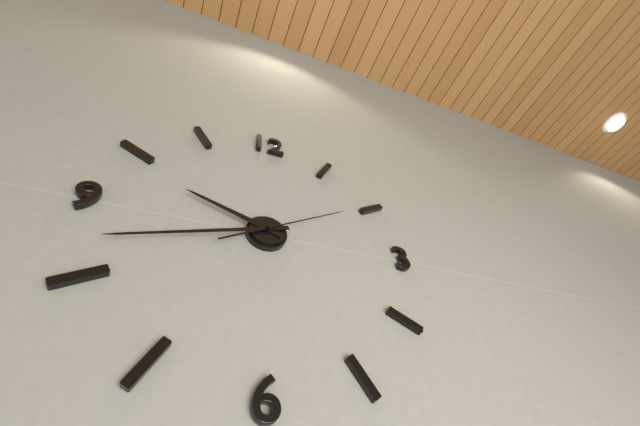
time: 9:42:10
